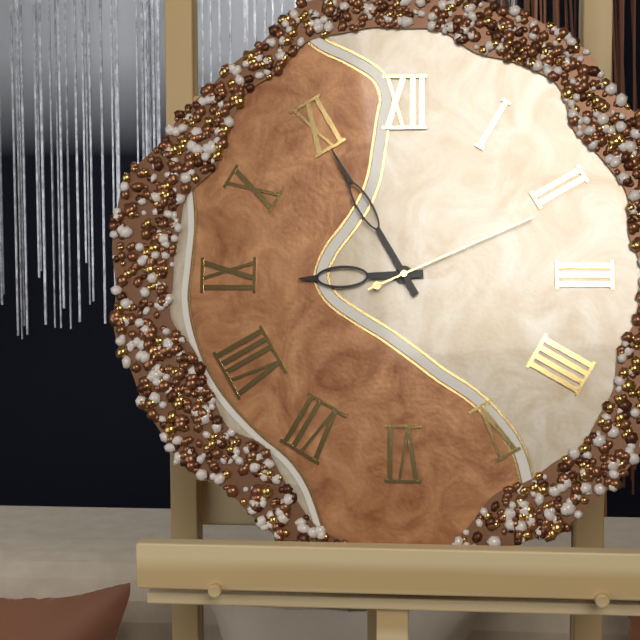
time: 8:55:11
